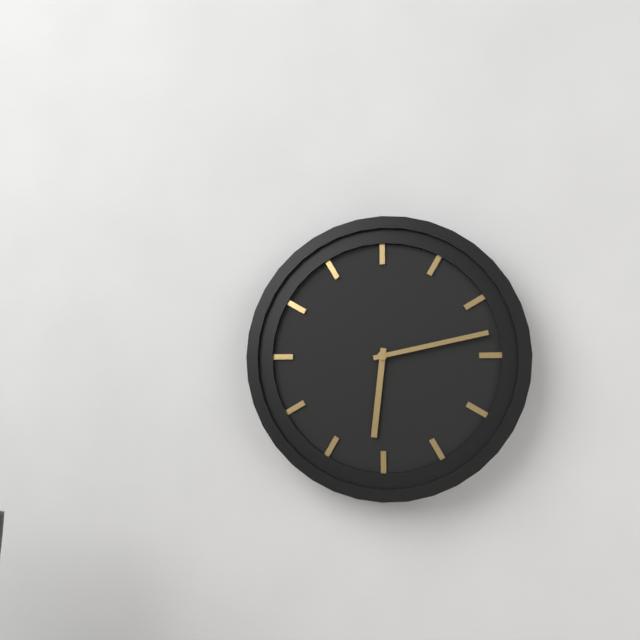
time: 6:13
